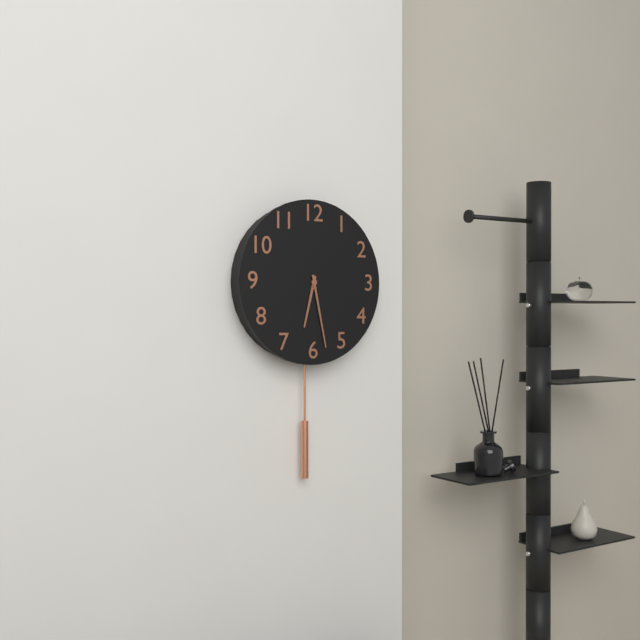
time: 6:28
